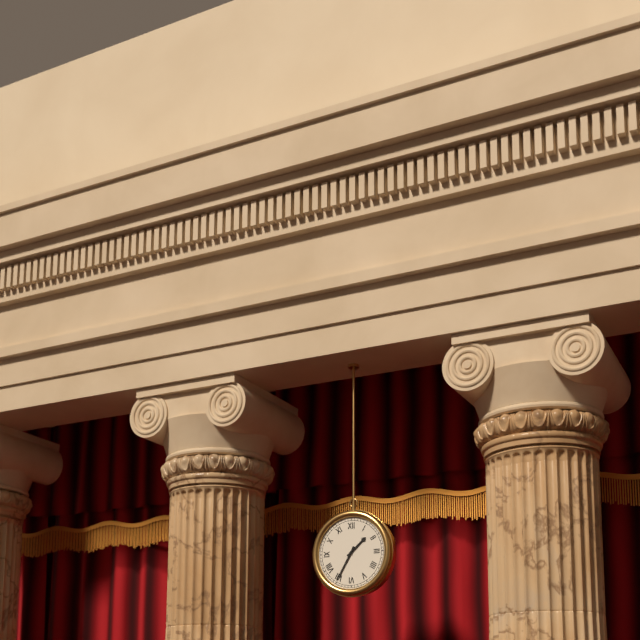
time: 1:35
